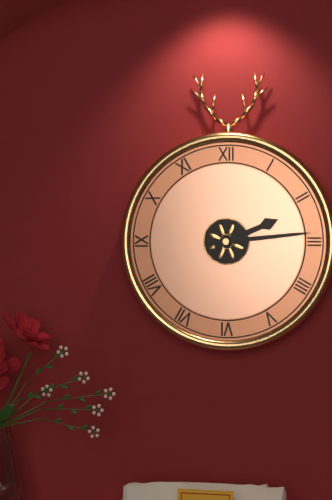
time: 2:14
